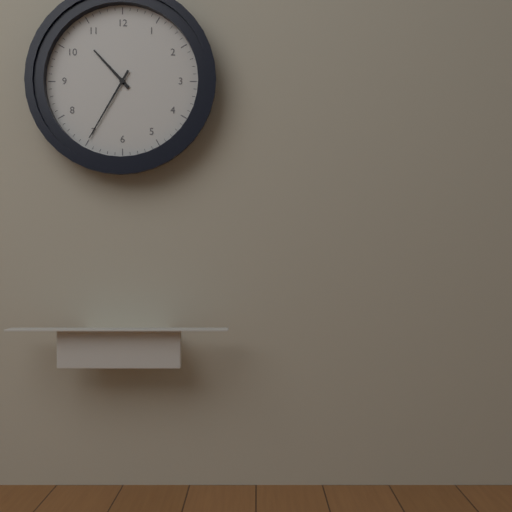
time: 10:35
